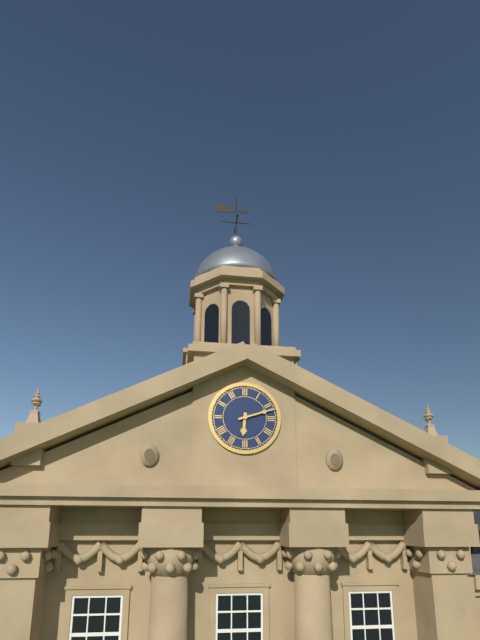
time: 6:12
